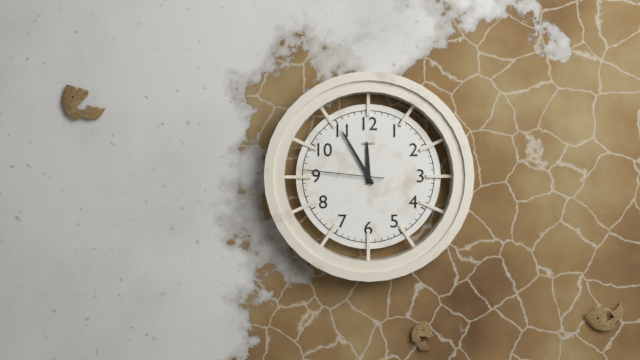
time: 11:55:46
